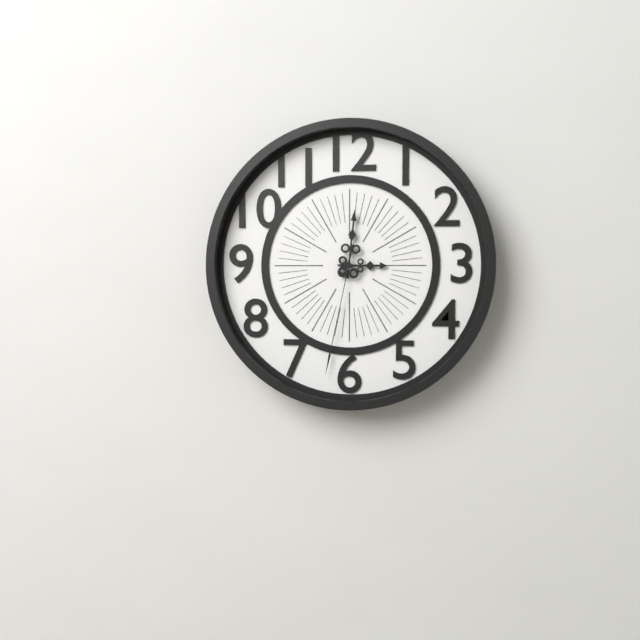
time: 3:01:32
